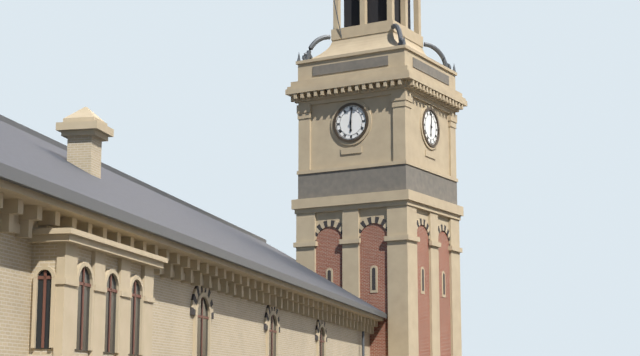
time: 6:01
